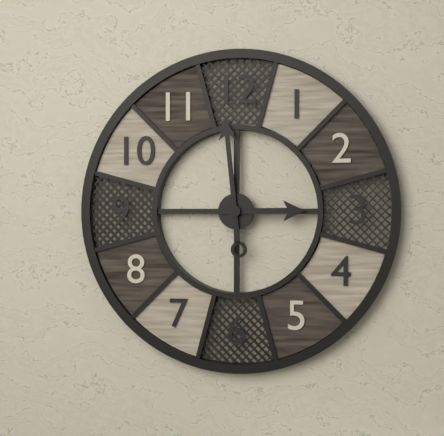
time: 2:59
